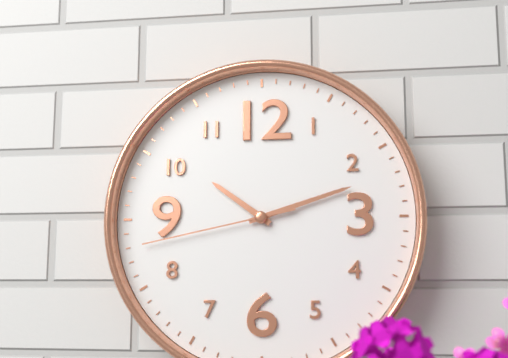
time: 10:12:43
